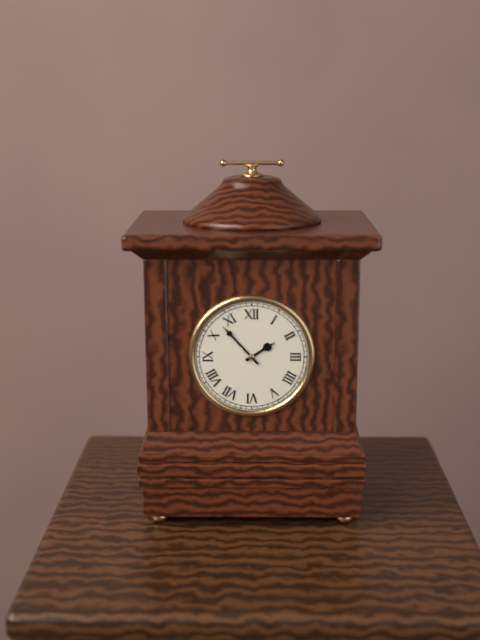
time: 1:53
